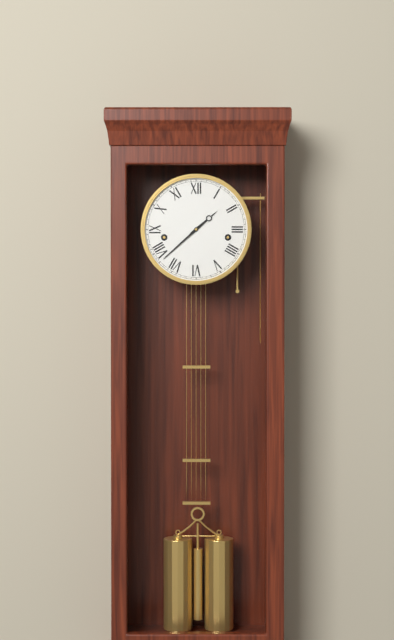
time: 1:38
